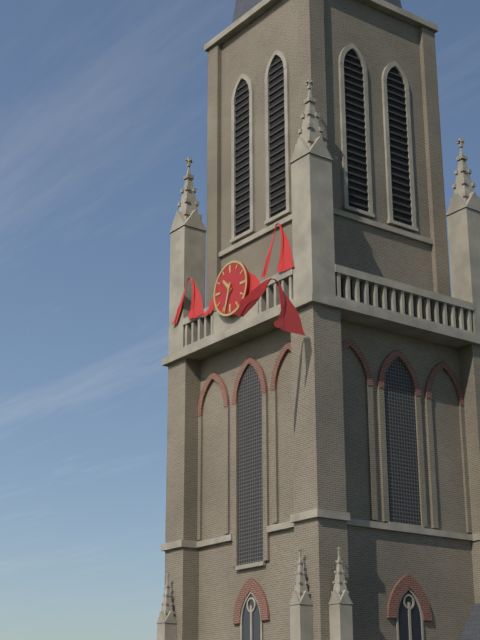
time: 10:33
